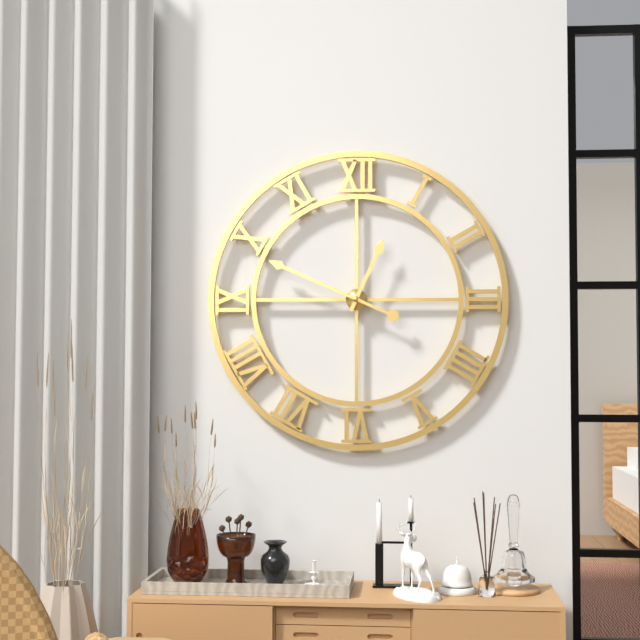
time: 12:49
